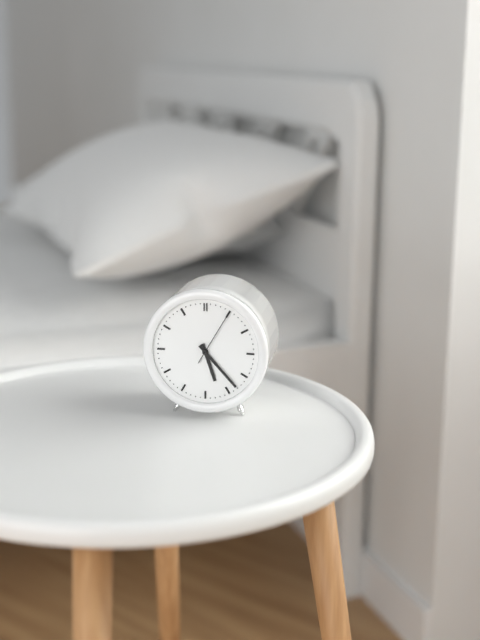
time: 5:23:05
